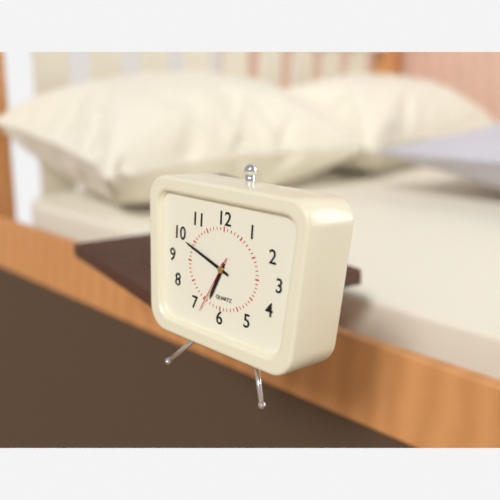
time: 6:48:35
